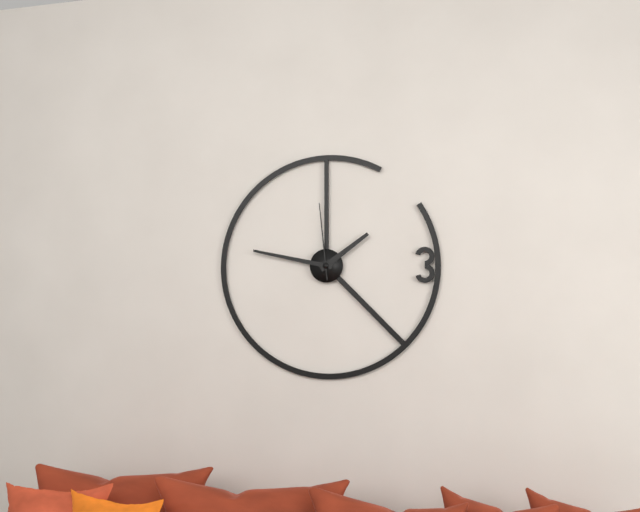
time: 1:47:59
